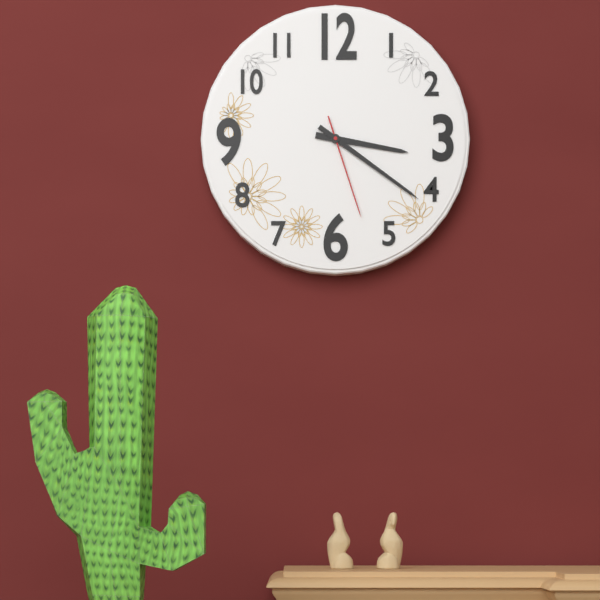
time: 3:21:27
